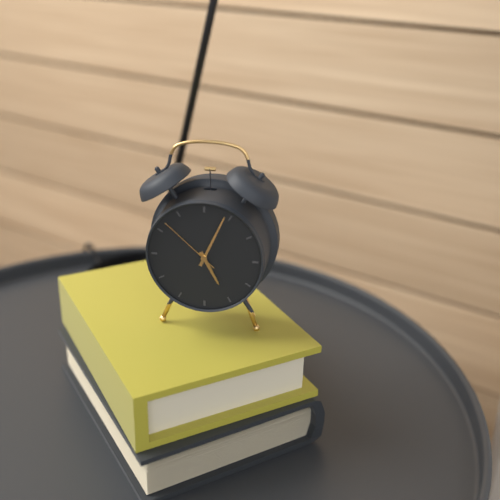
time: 5:04:52
